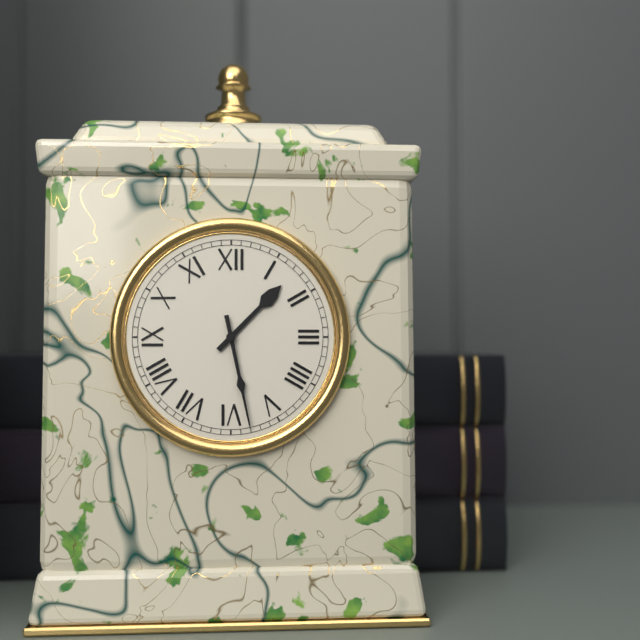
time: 1:28
